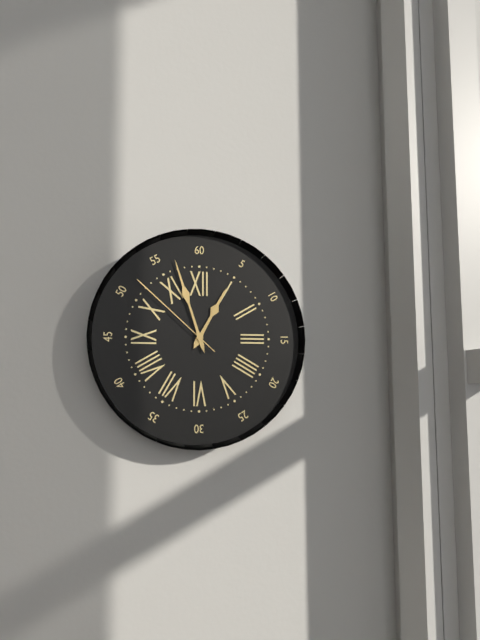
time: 12:57:52
